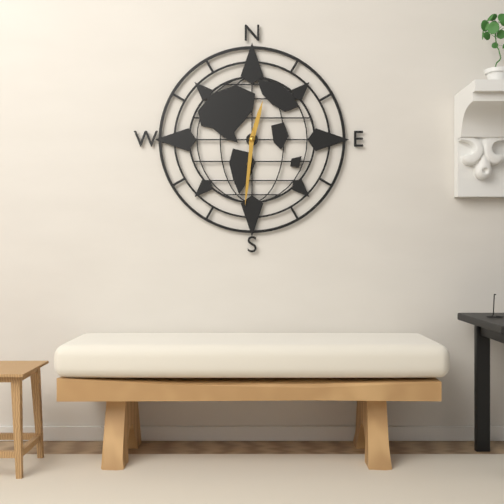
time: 12:31
